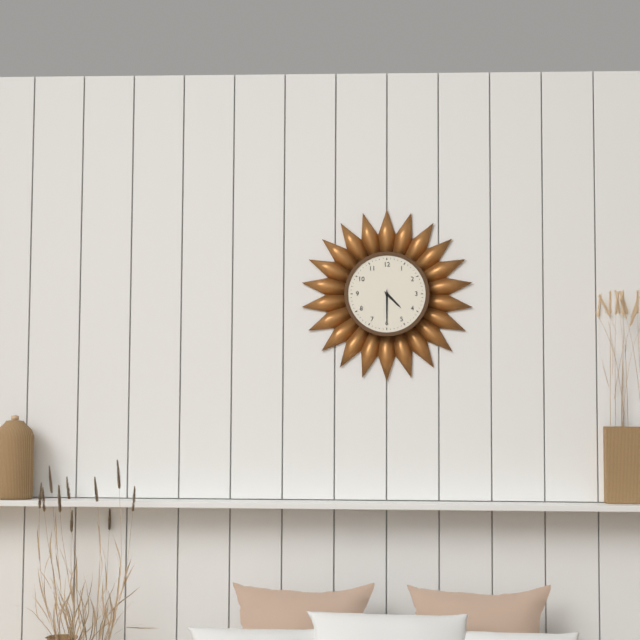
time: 4:30
